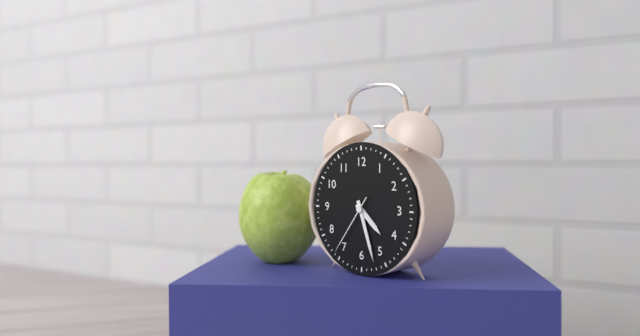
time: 4:27:36
